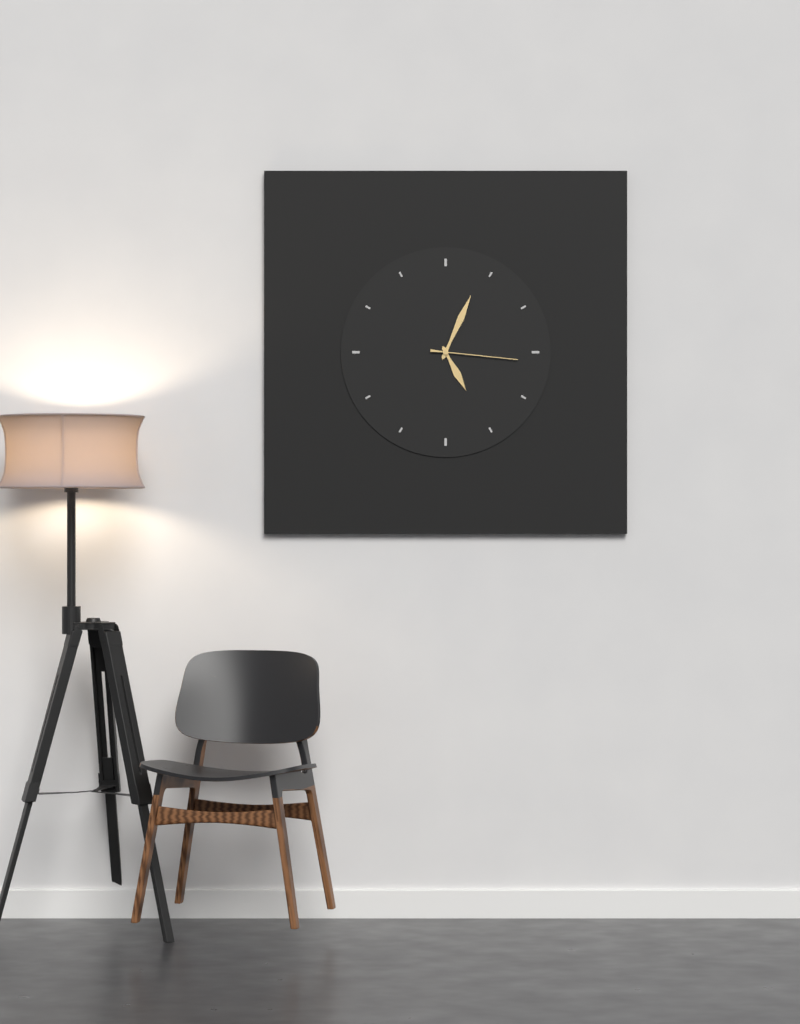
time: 5:04:16
